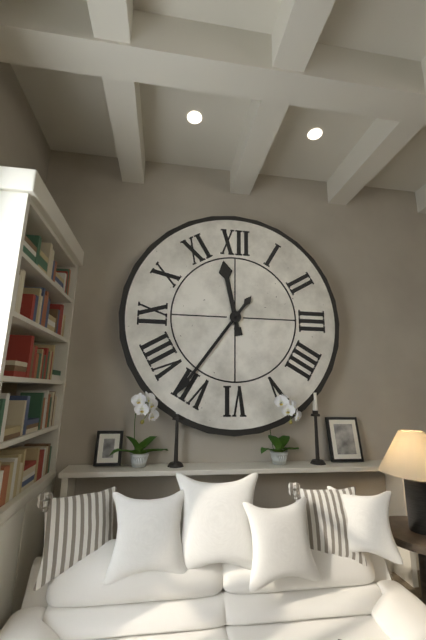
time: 11:36
